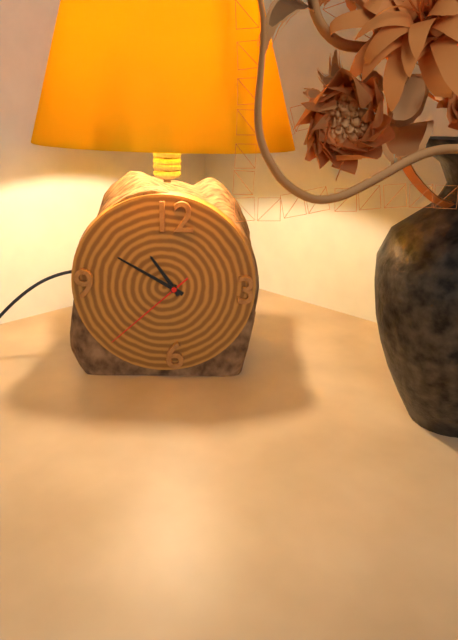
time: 10:50:38
